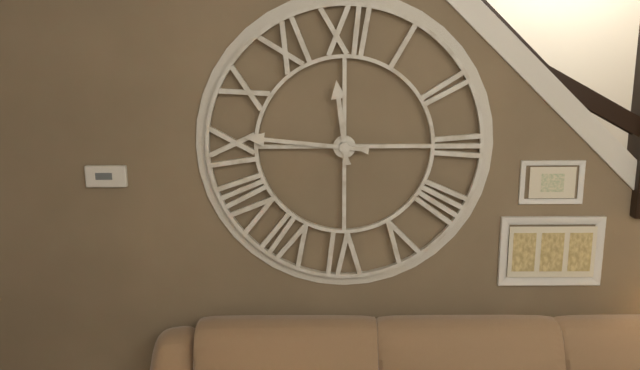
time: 11:46
